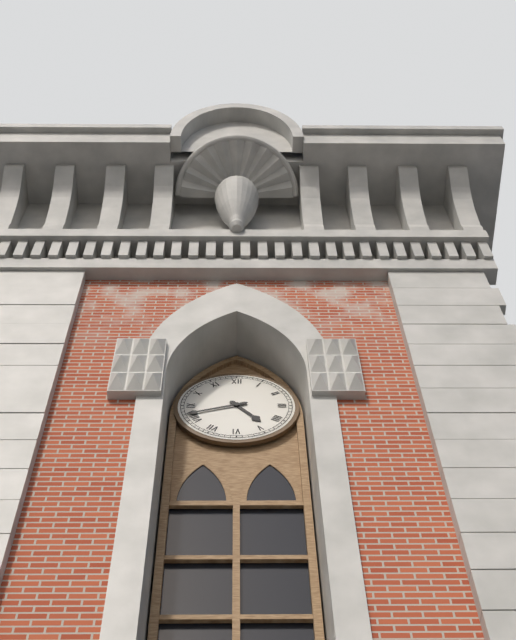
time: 4:42
